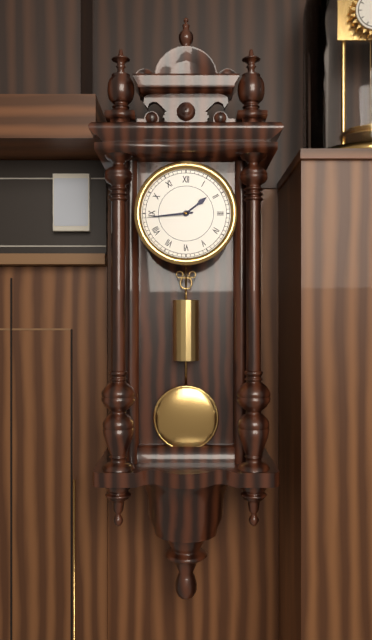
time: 1:44
